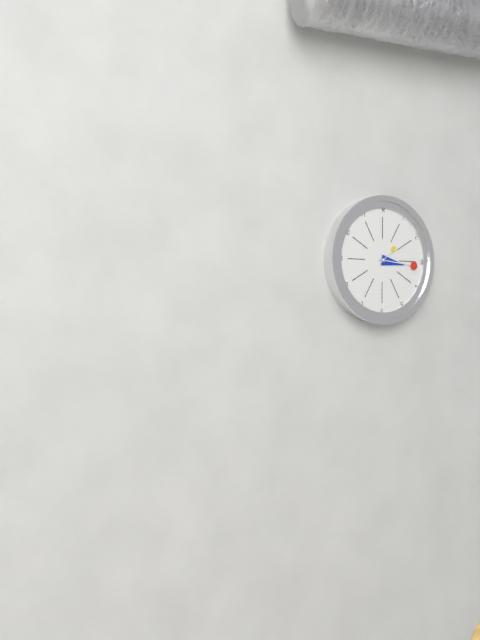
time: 3:16
